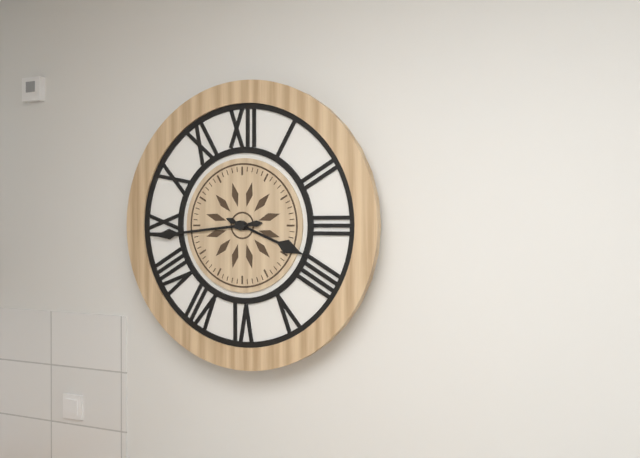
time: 3:44
